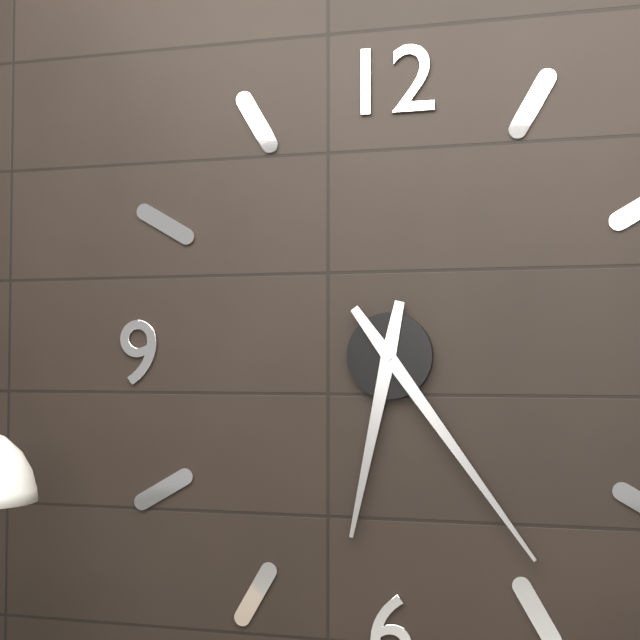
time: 6:24
